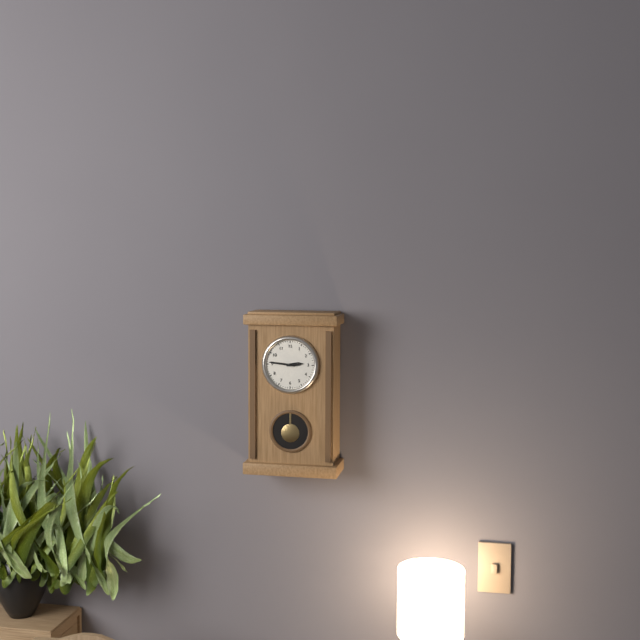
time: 2:46
